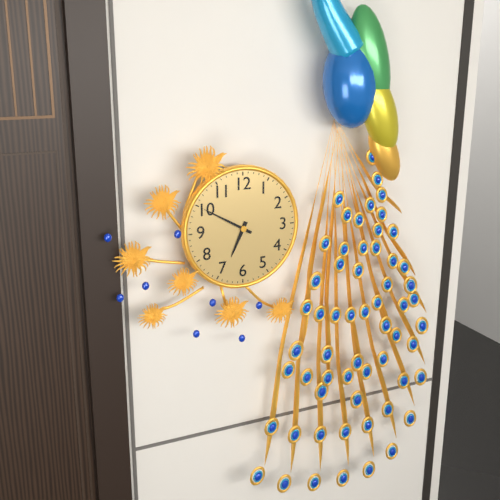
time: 6:50
